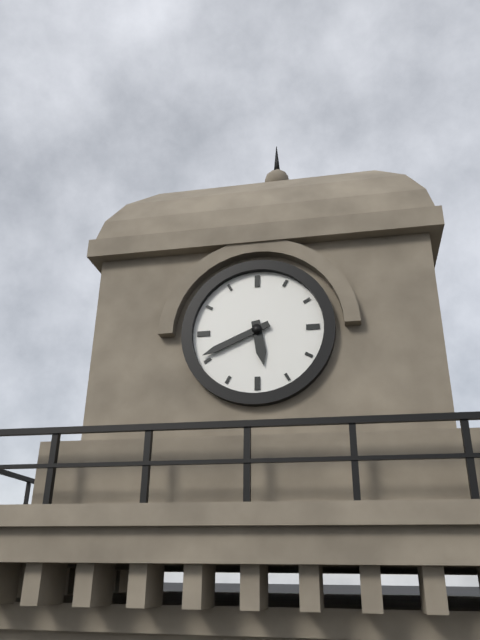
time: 5:41
